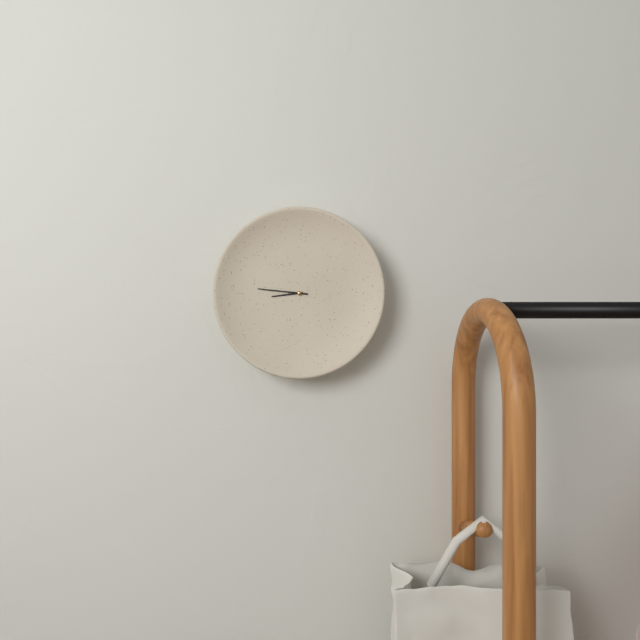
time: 8:46
